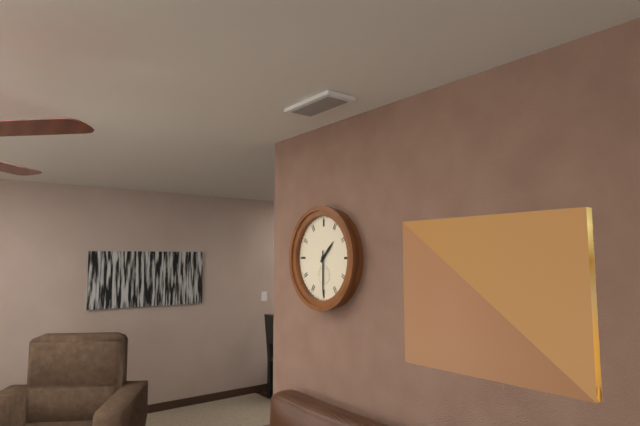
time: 1:30
